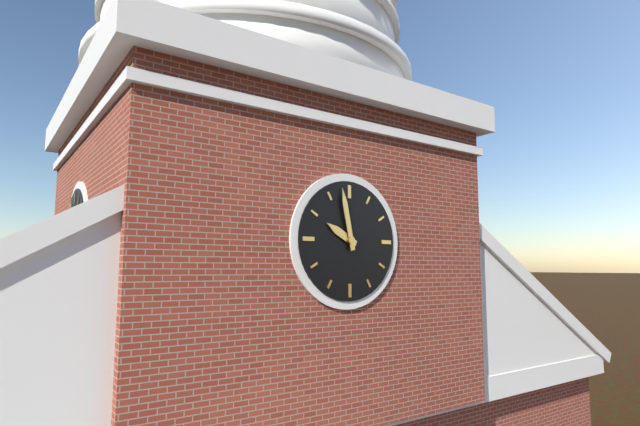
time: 9:58
